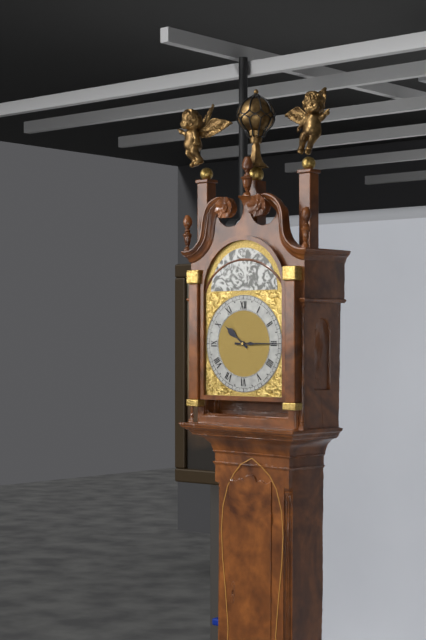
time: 10:15
